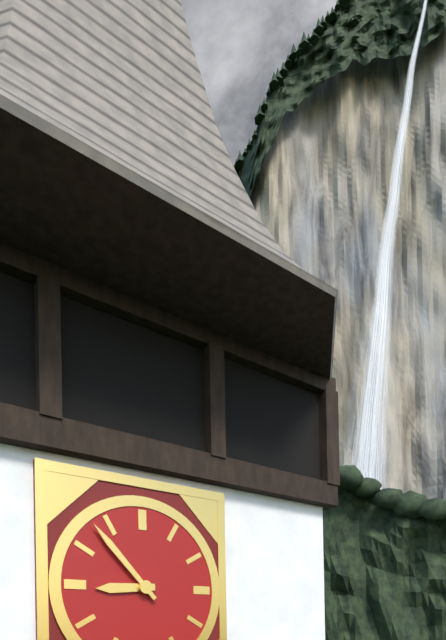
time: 8:53
